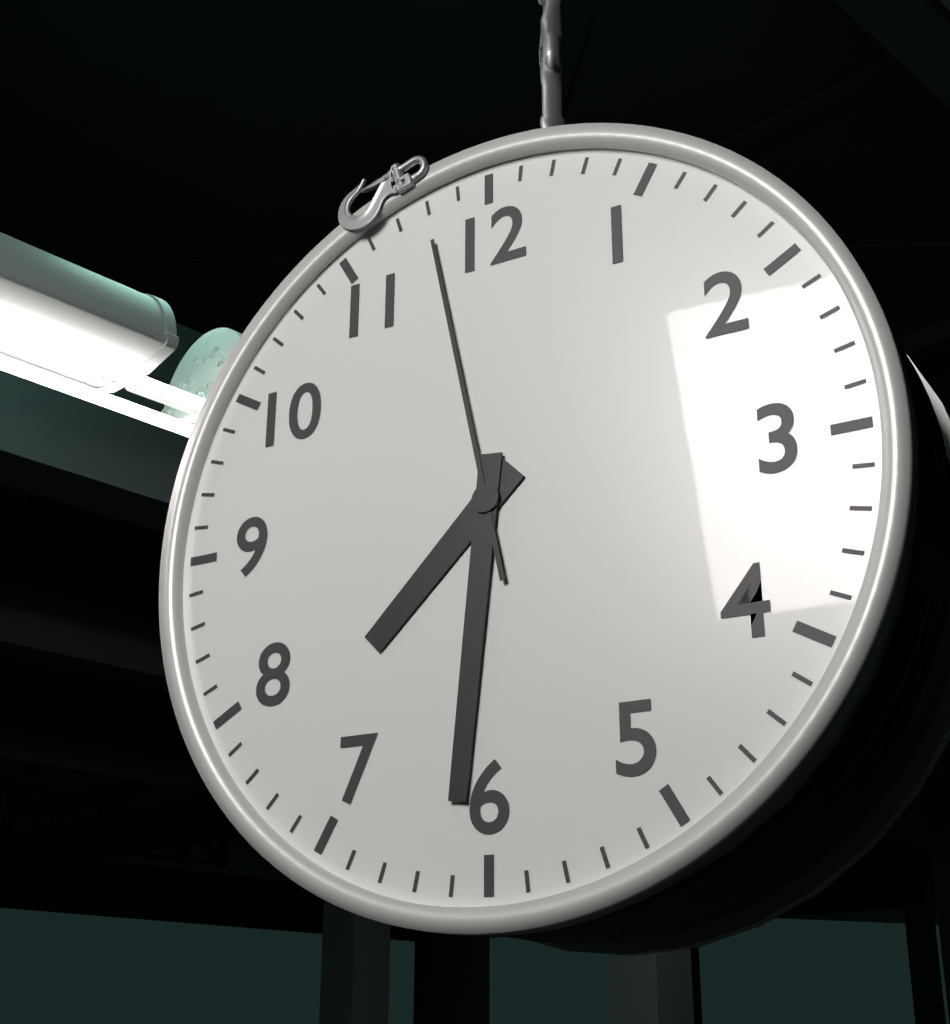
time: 7:31:58
